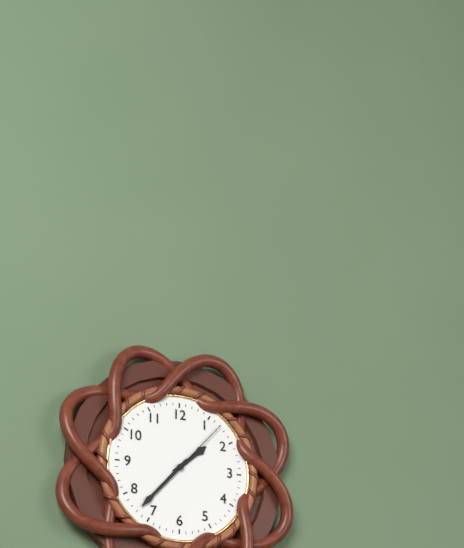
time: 1:37:07
